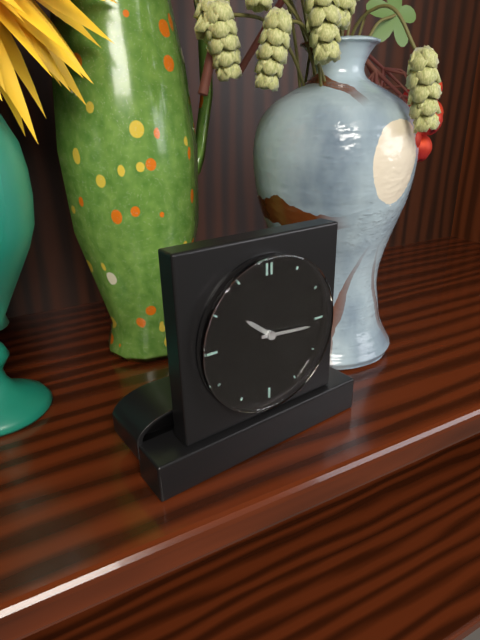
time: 10:16
